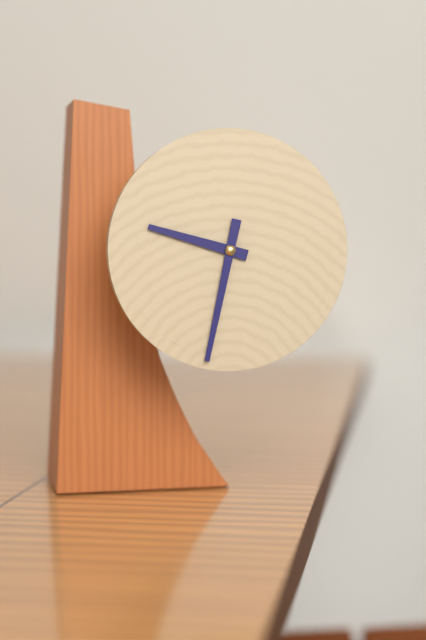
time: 9:32
